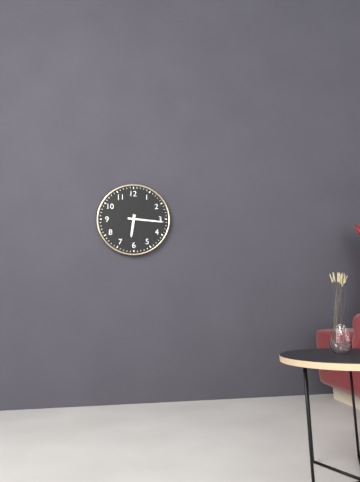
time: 6:16
